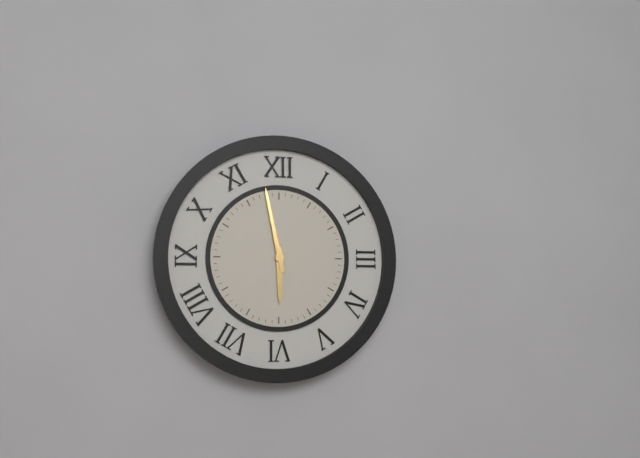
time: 5:58
